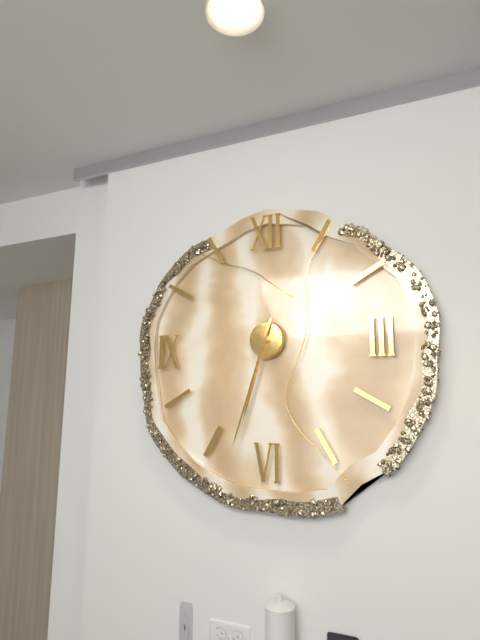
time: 6:33
